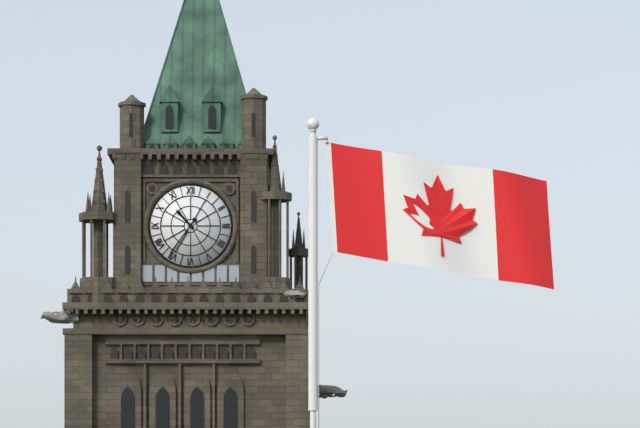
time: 10:36
